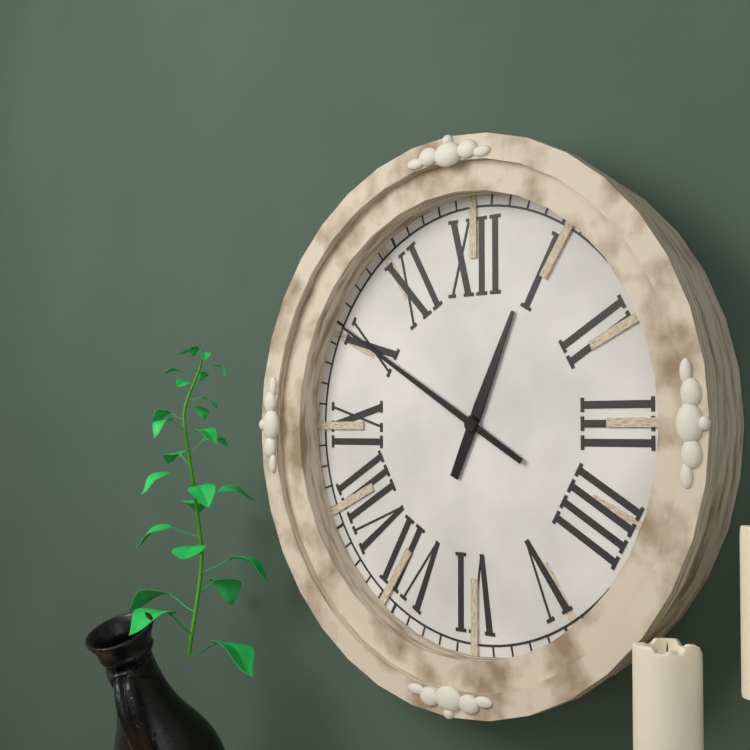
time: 12:50
